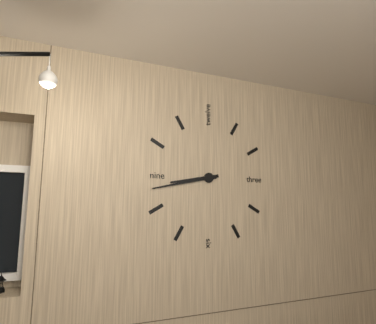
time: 8:43
